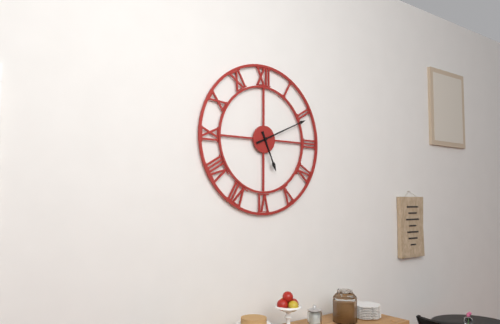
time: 5:11
